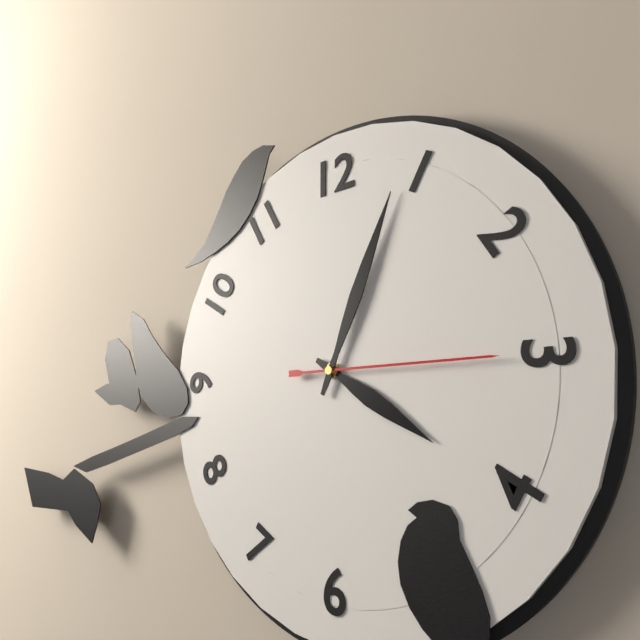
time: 4:04:15
